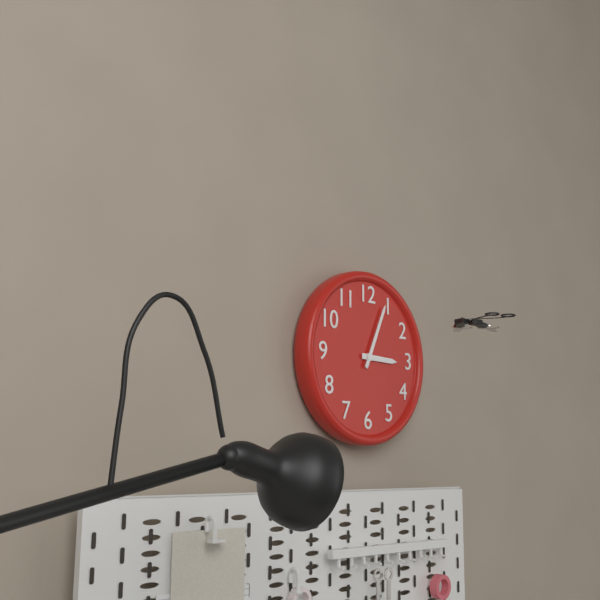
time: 3:04
